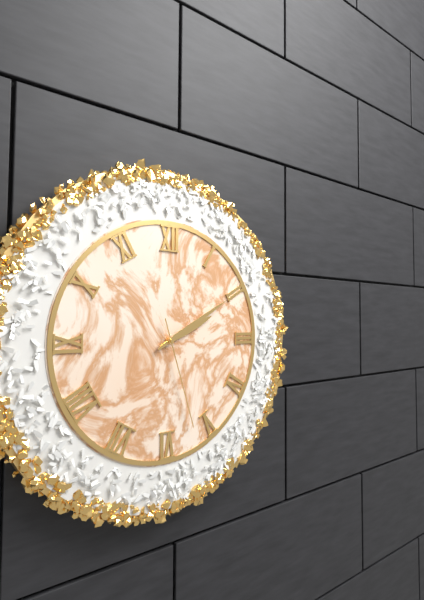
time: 2:10:27
